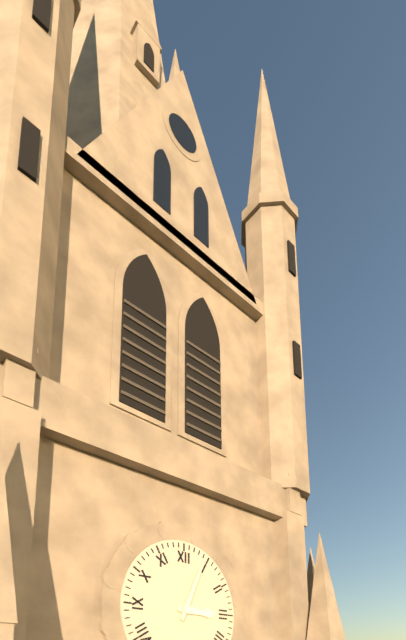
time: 3:04
